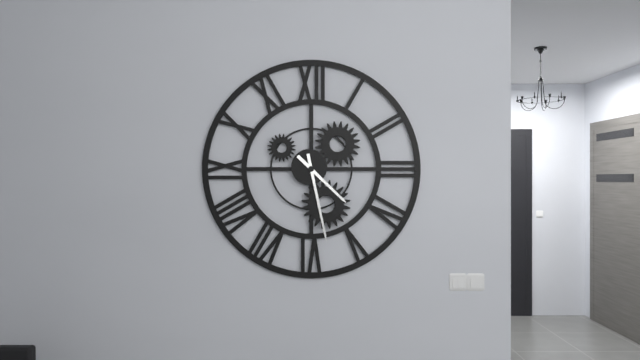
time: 4:28
